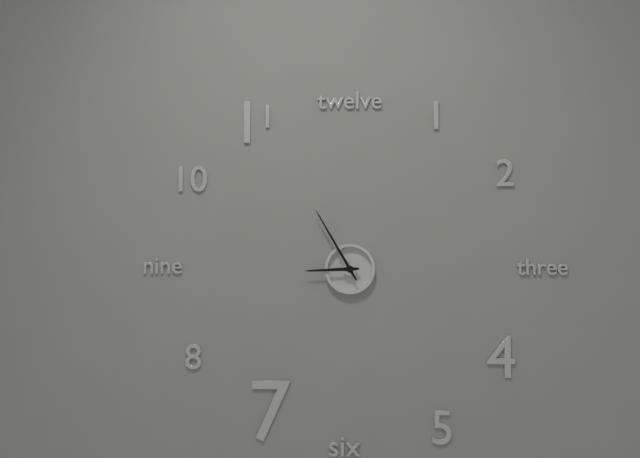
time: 8:55
